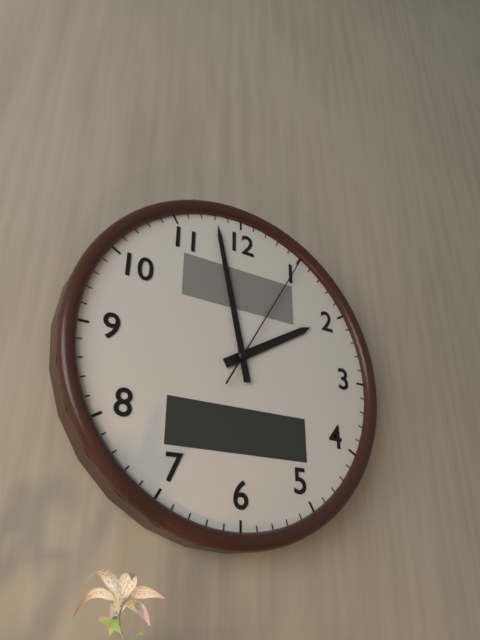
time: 1:58:05
